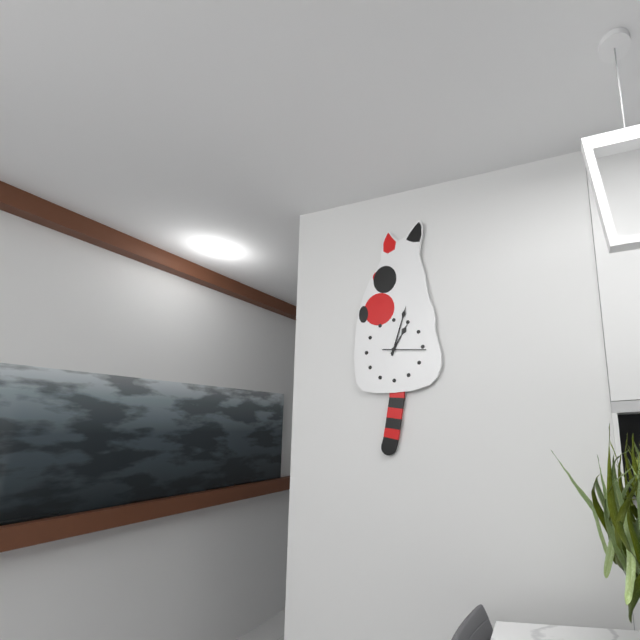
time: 1:03
